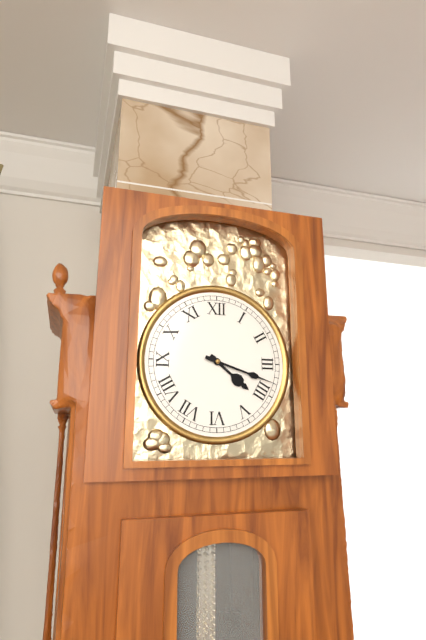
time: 4:18
